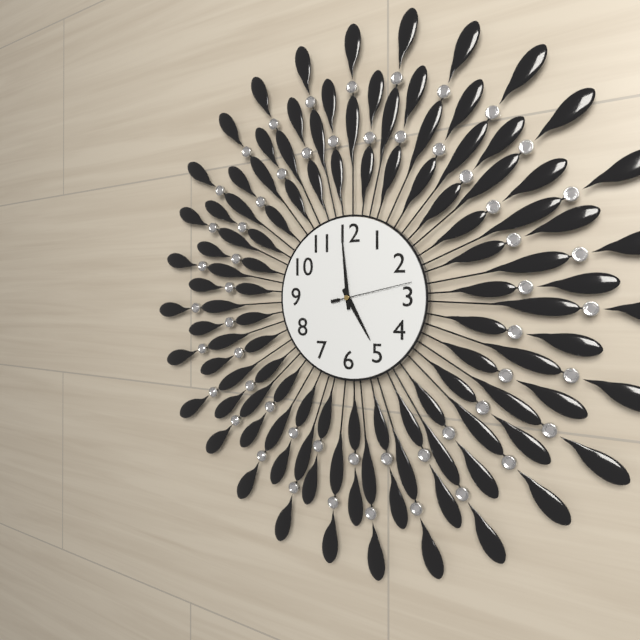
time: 4:59:13
